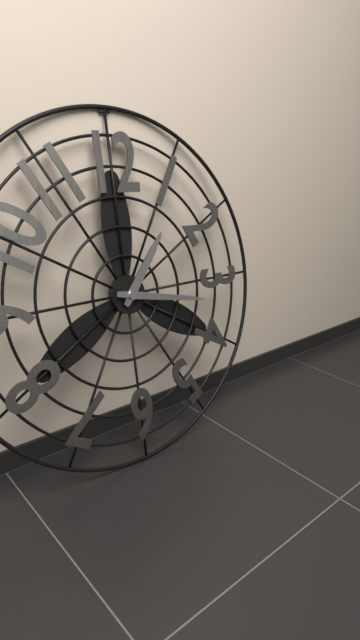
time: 1:17
